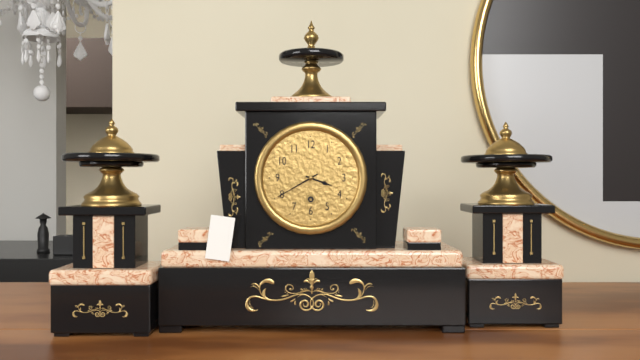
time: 3:40
